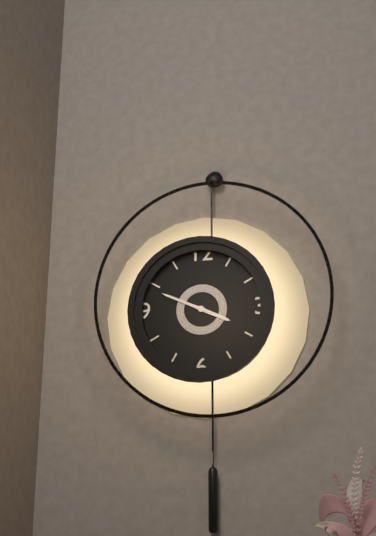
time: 3:49
